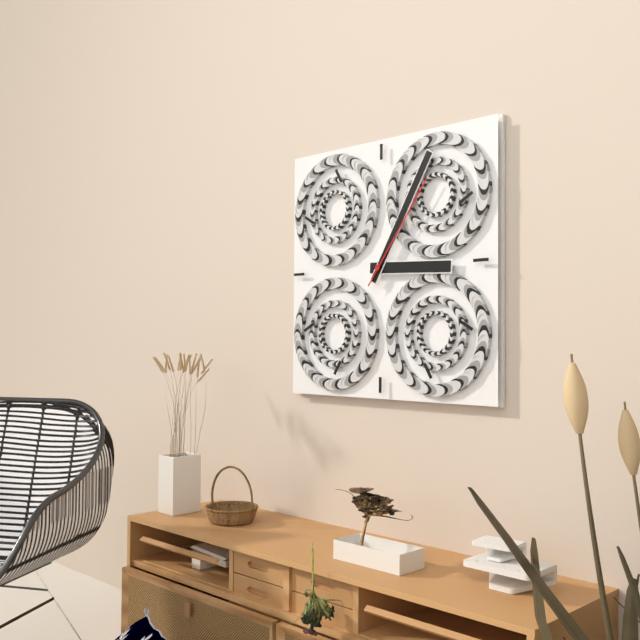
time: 3:05:06
